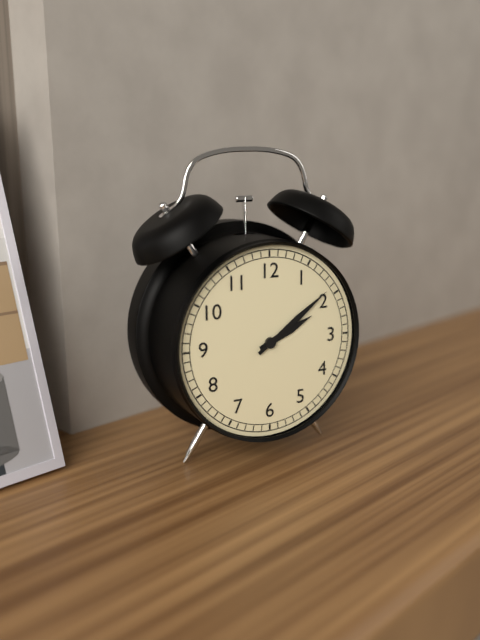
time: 2:09
